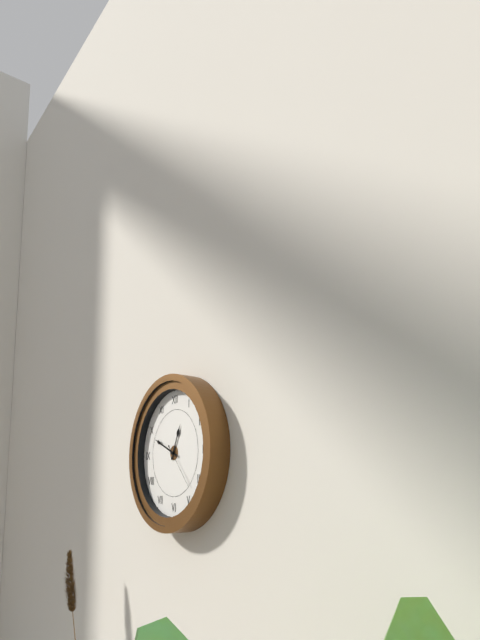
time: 12:49
